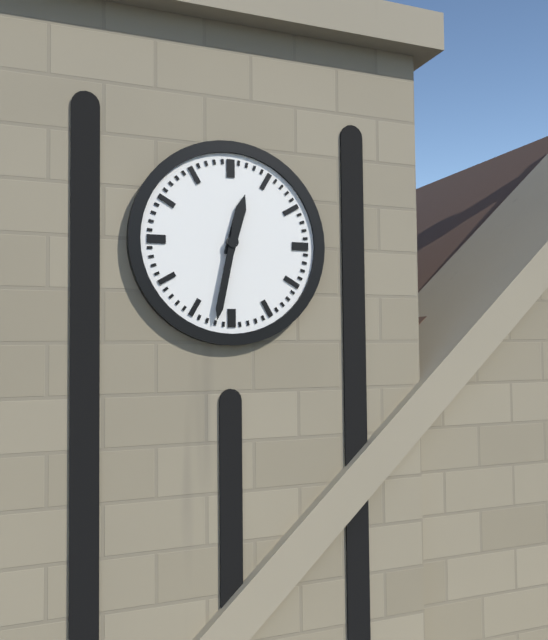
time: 12:32
